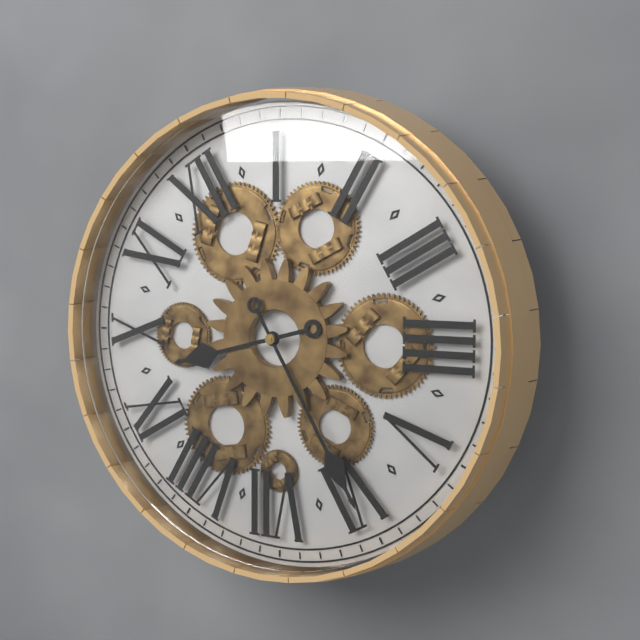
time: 9:30
